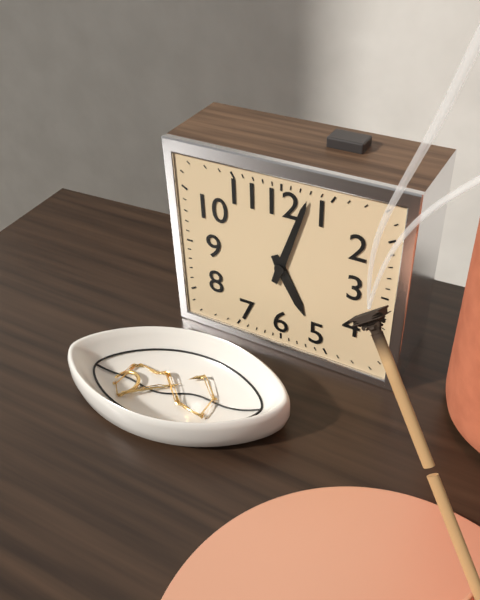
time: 5:03
